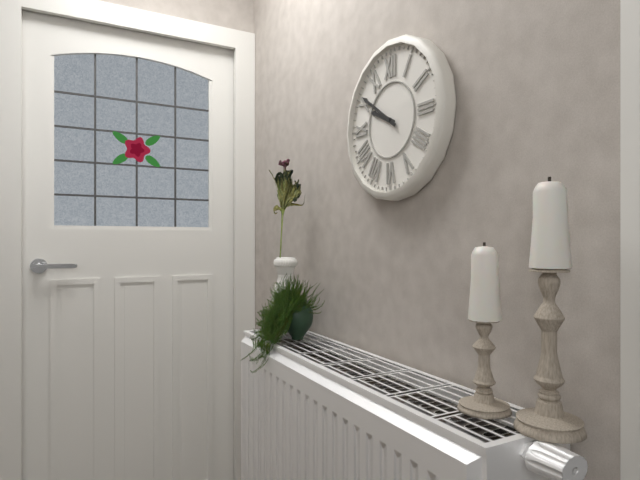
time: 9:51
